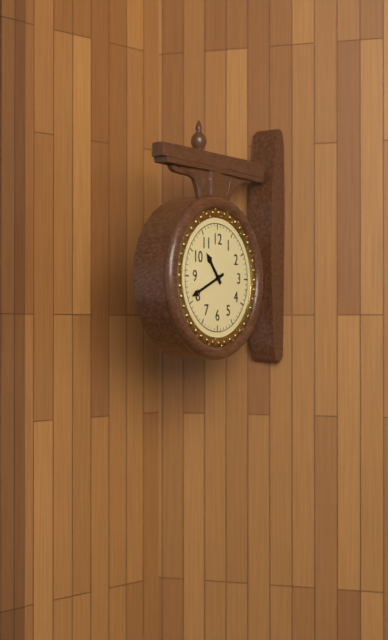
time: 10:41
